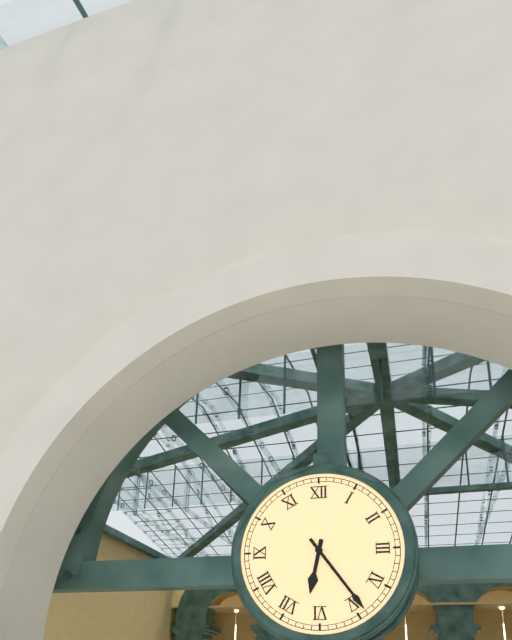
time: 6:24
